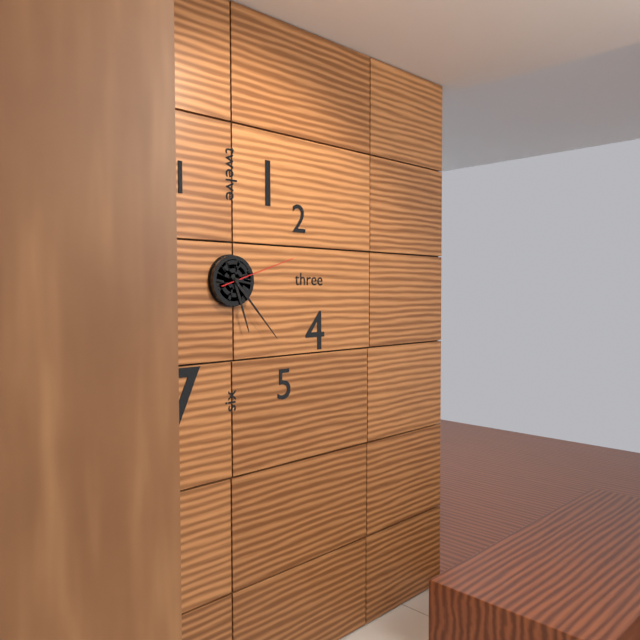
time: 5:23:12
